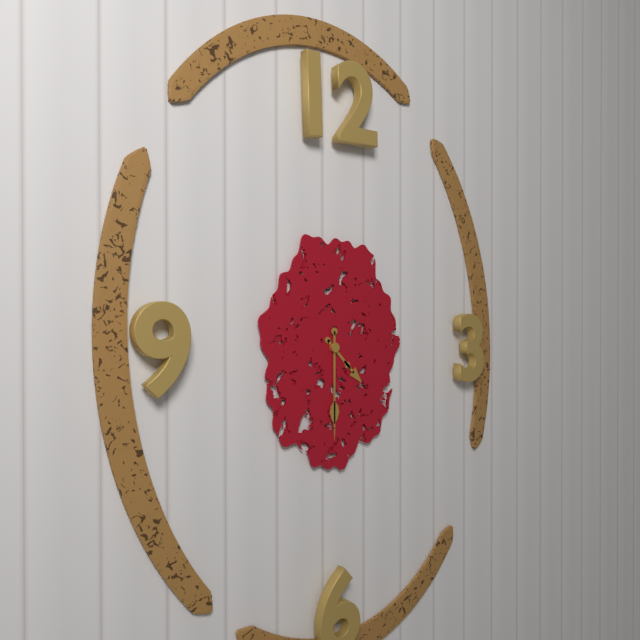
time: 4:30
